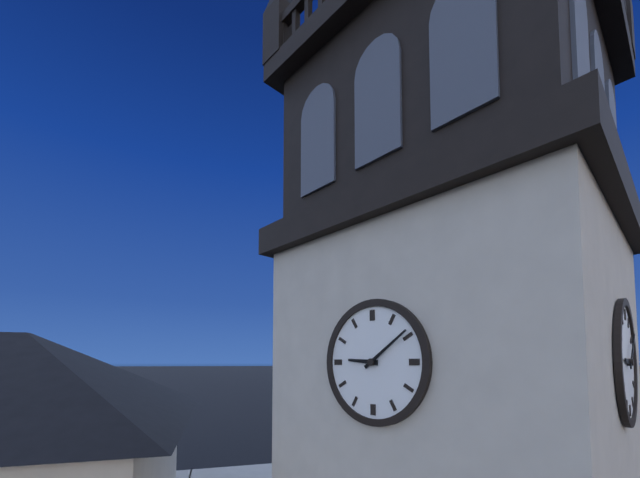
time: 9:09
